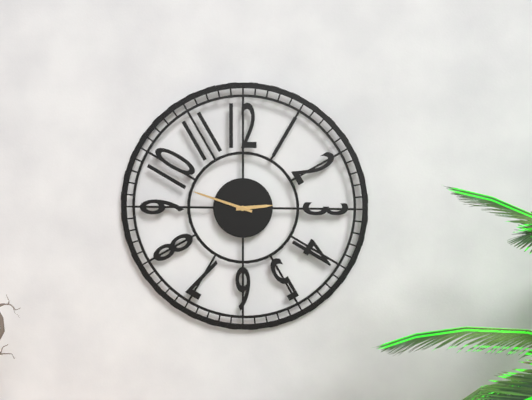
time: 2:48
